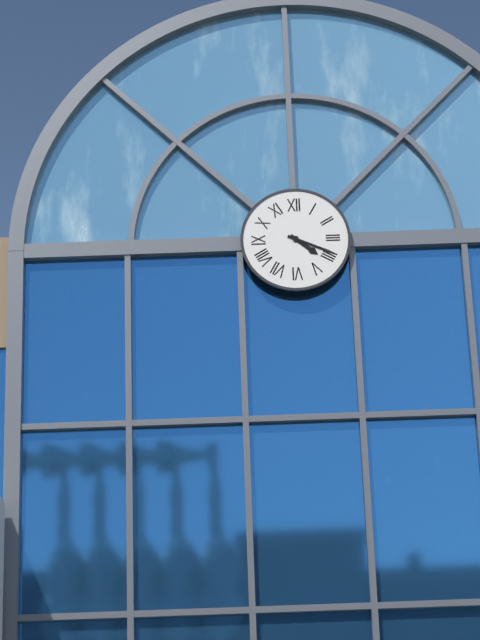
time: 4:19
